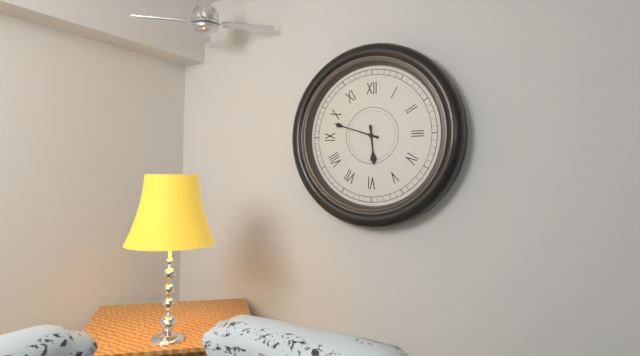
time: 5:48
